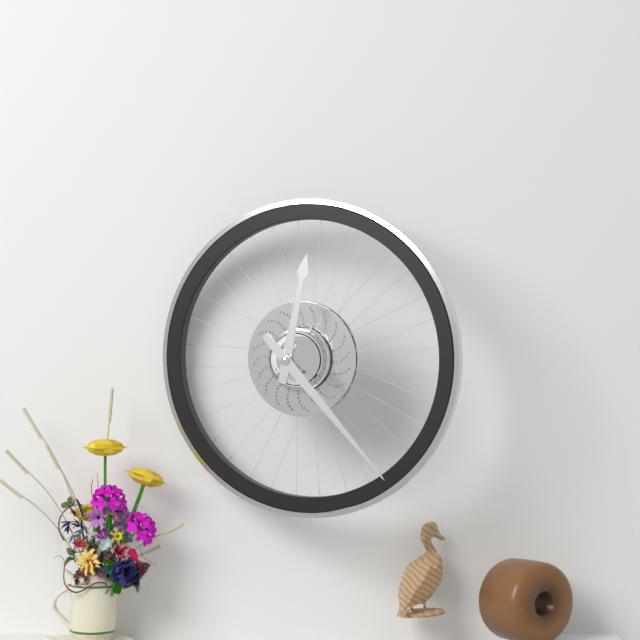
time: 12:23
